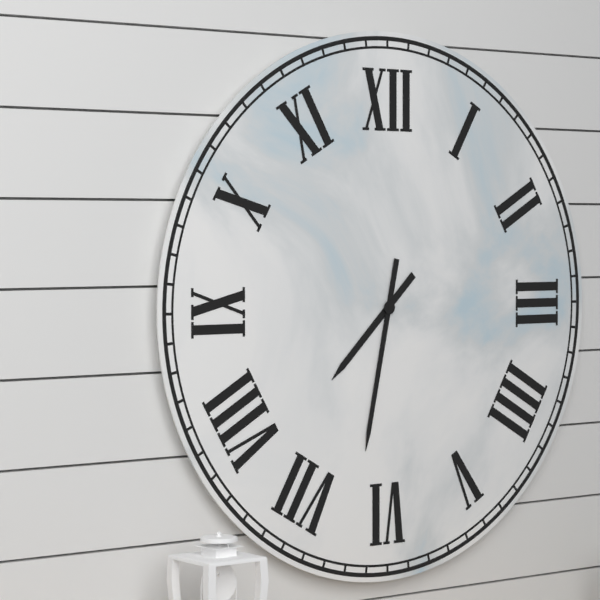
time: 7:32
